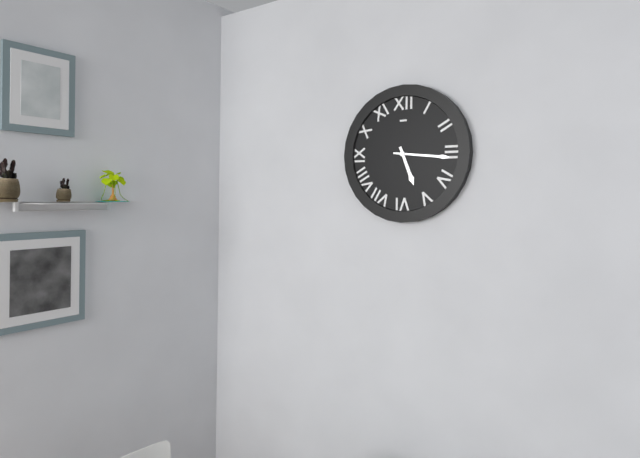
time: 5:16
